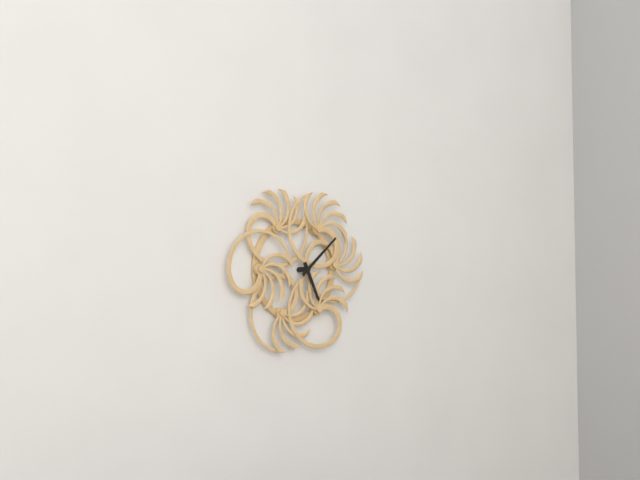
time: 5:08
